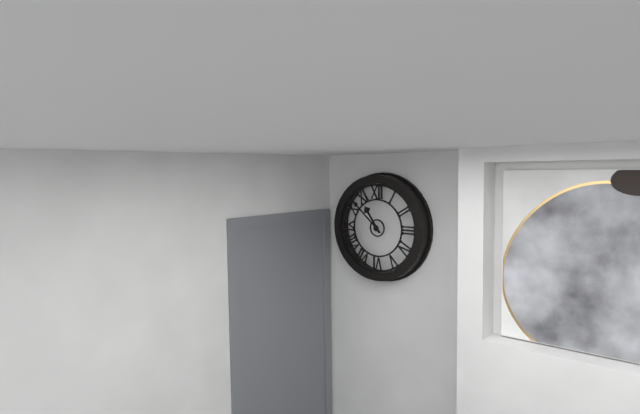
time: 10:52
